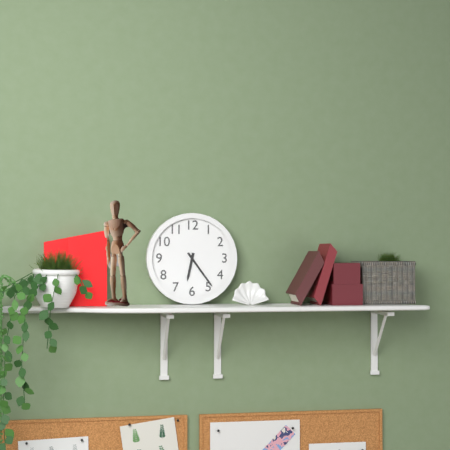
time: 6:24
